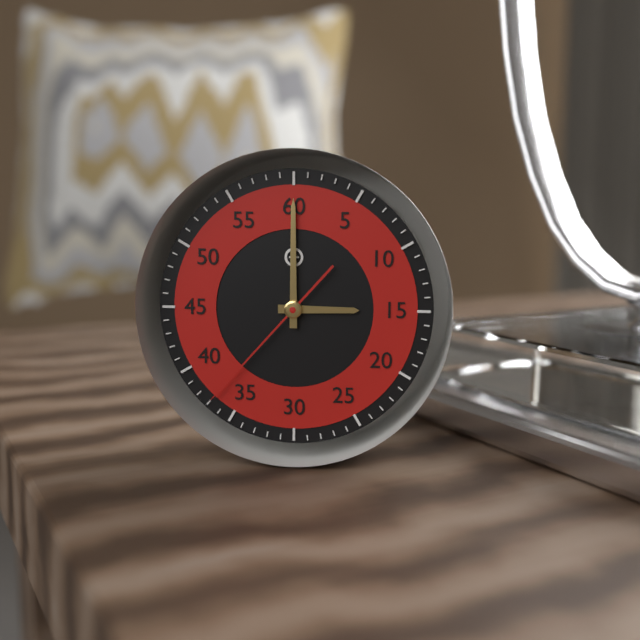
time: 3:00:37
